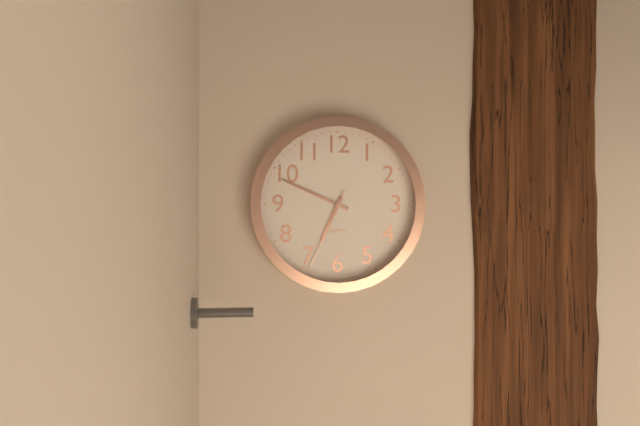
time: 6:49:34
